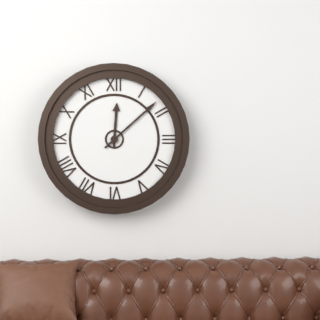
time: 12:08
